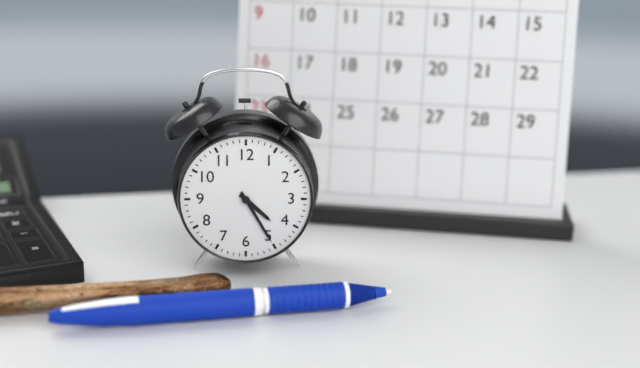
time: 4:25
